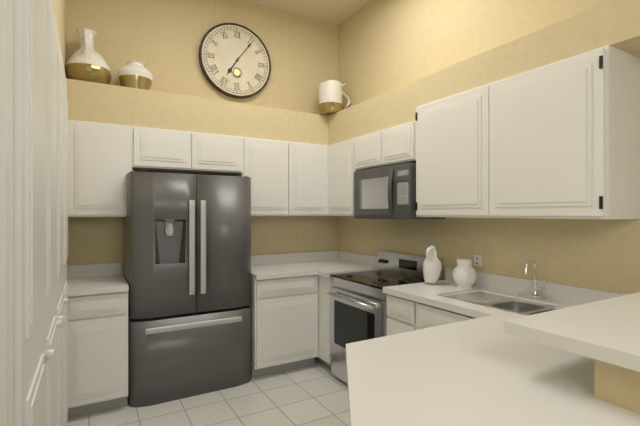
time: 7:06
